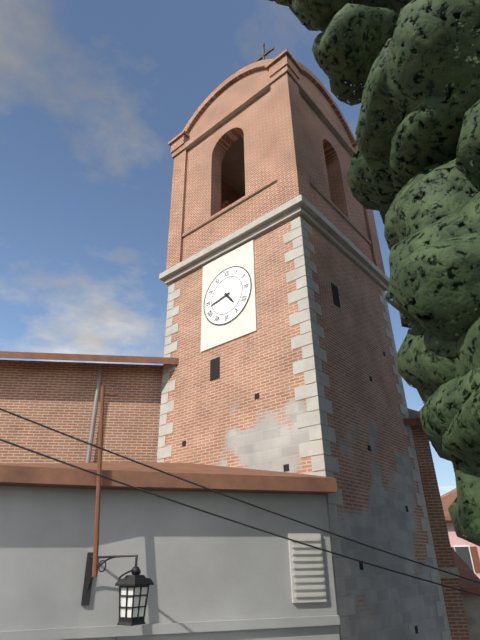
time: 4:43
